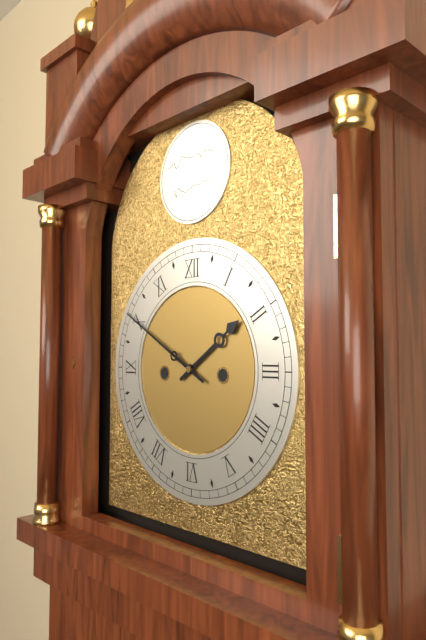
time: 1:50
